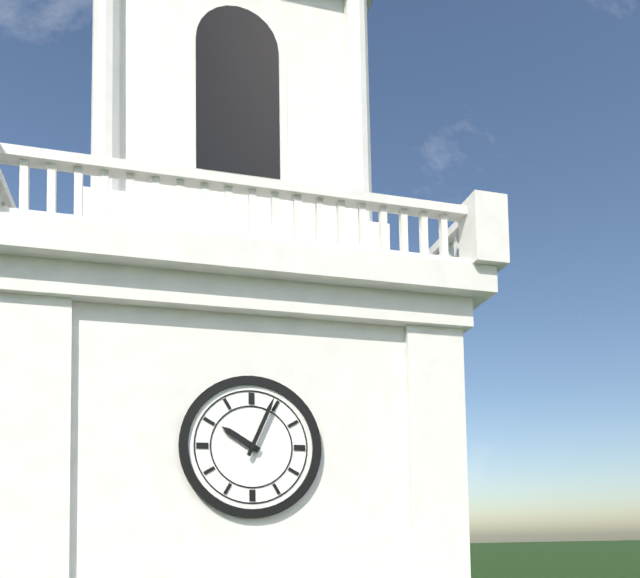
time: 10:04
